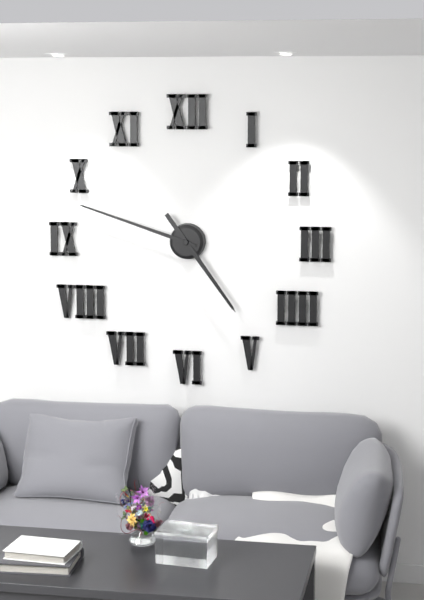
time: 4:48
